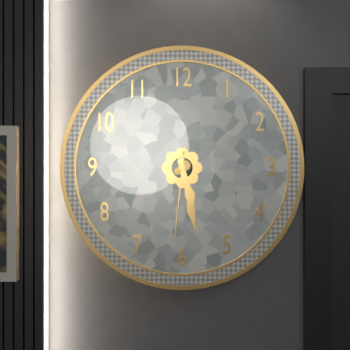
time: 5:28:31
